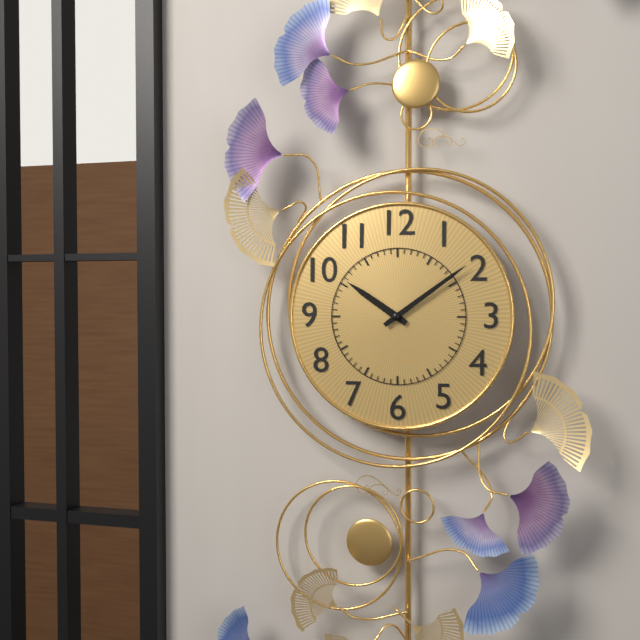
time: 10:09
